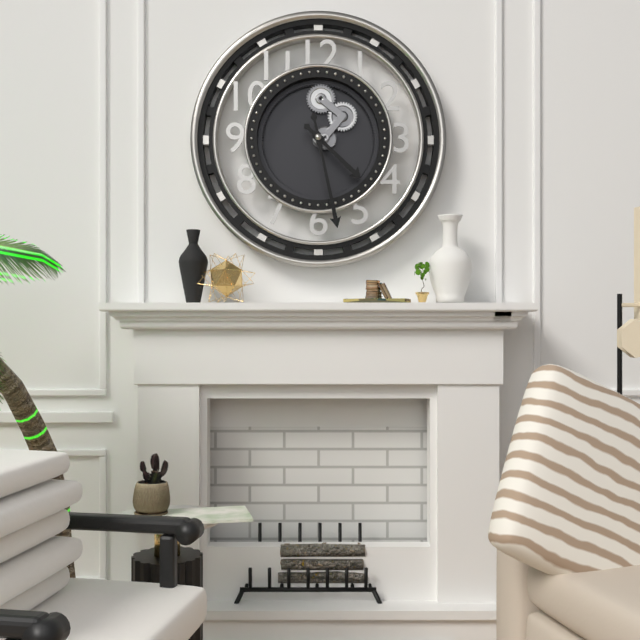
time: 4:28
